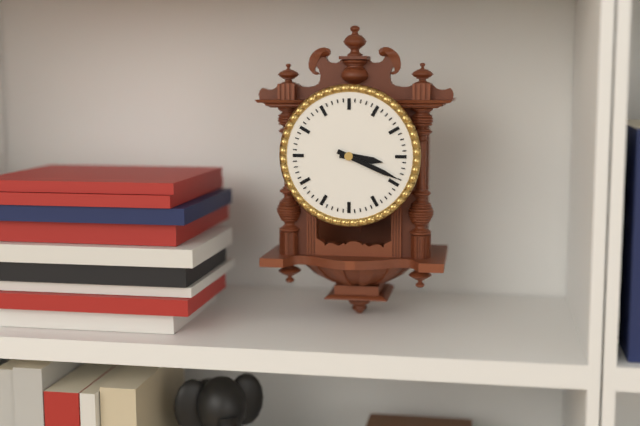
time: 3:19
